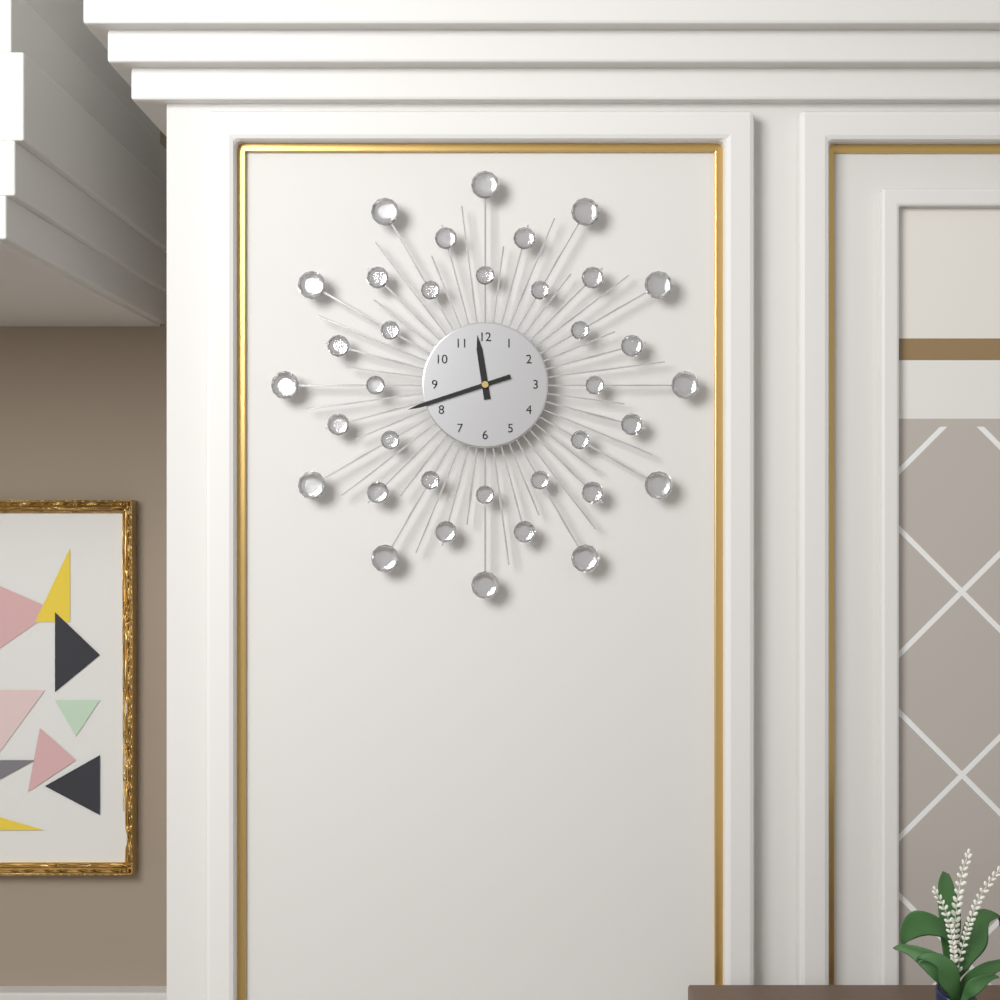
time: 11:42
